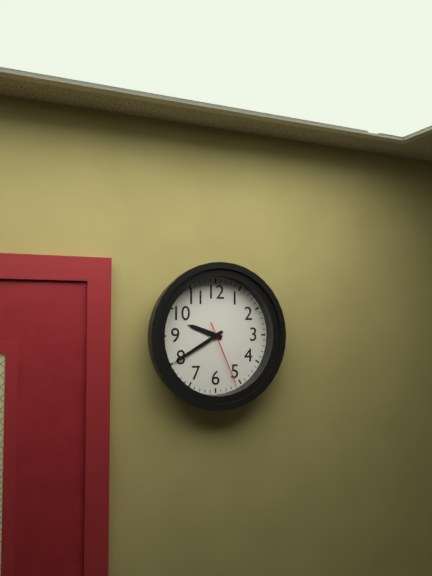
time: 9:40:26
